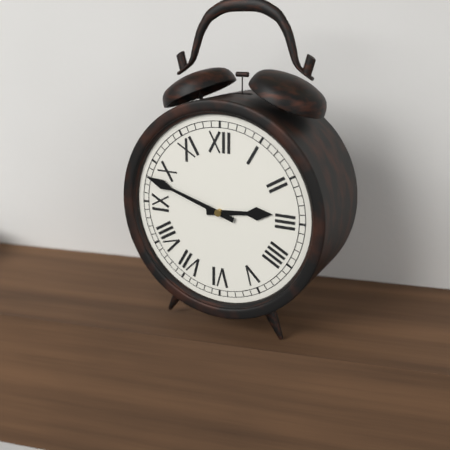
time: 2:48
